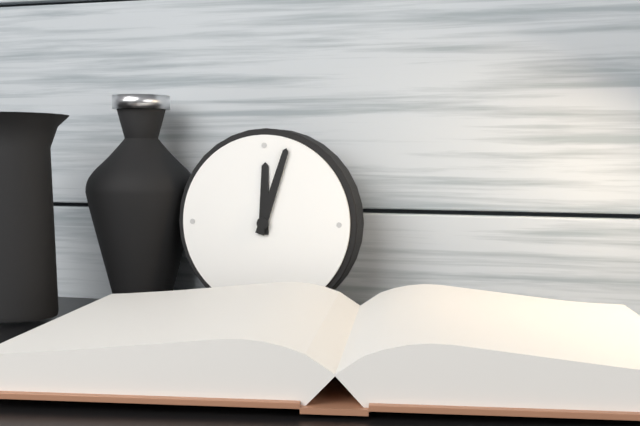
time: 12:03
